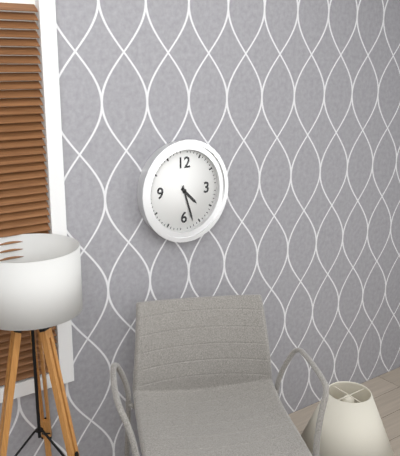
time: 4:27
